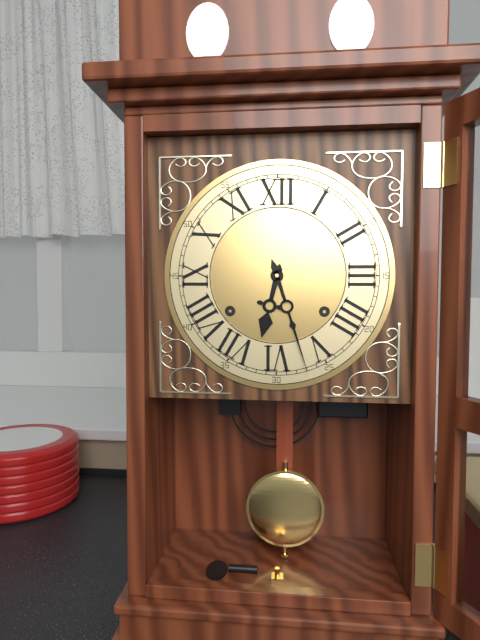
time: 6:27
